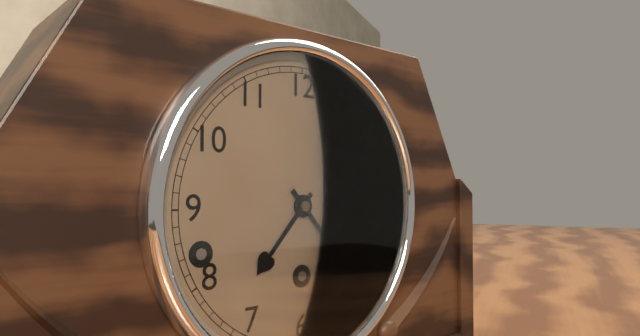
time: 7:23
